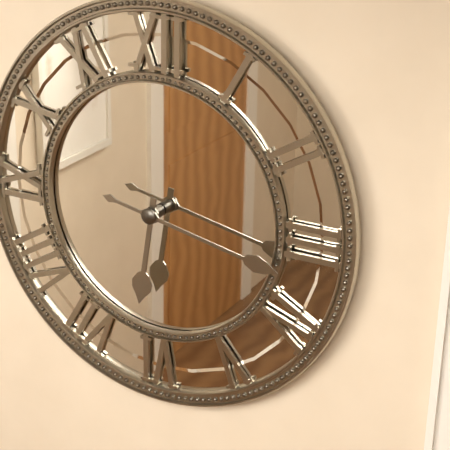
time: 6:17
